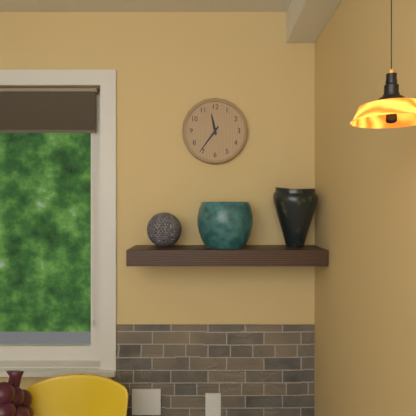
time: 11:36
